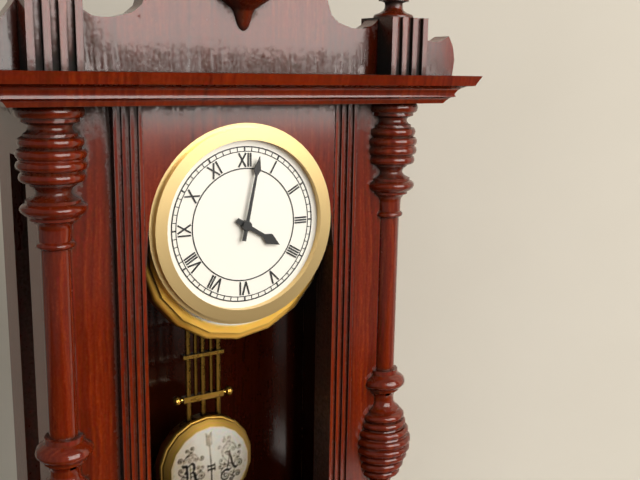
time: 4:02
